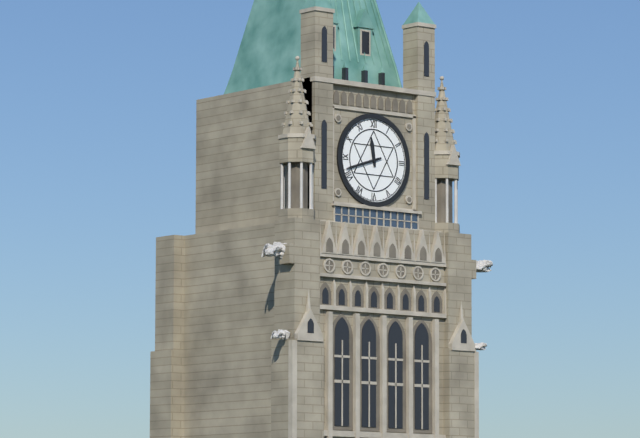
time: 11:42
